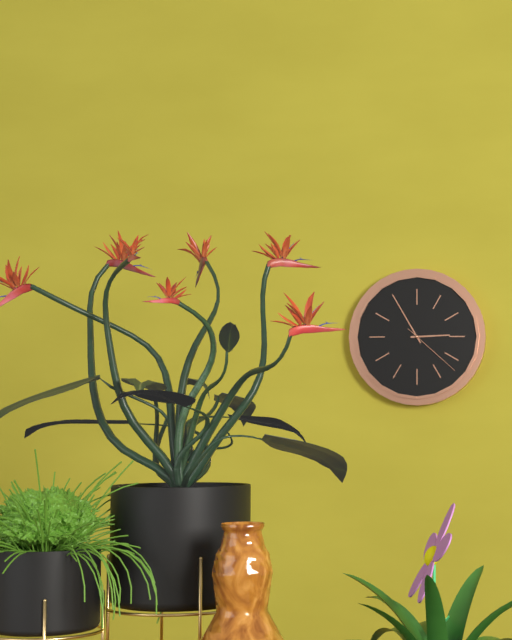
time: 2:55:22
